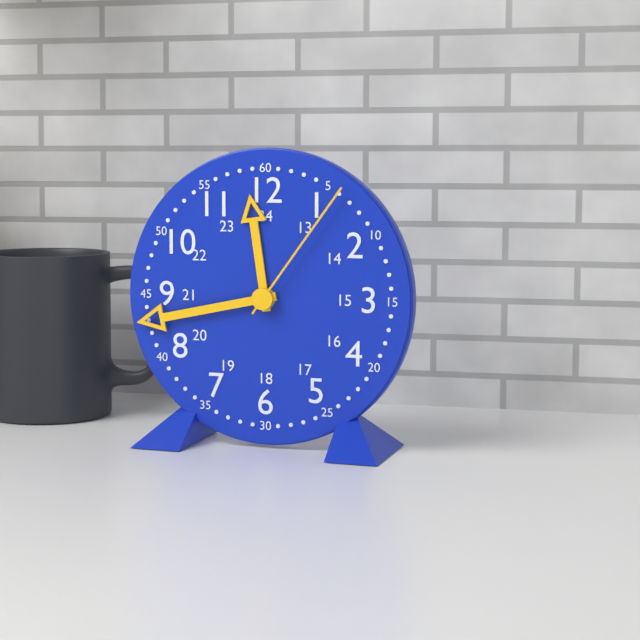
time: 11:43:06
